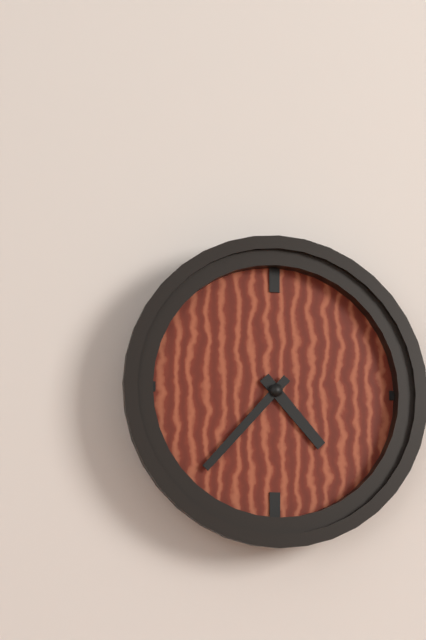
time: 4:37
